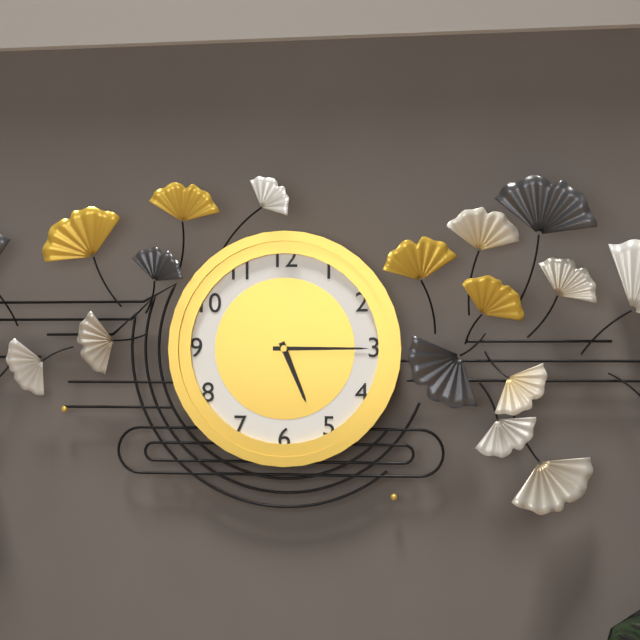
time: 5:15
